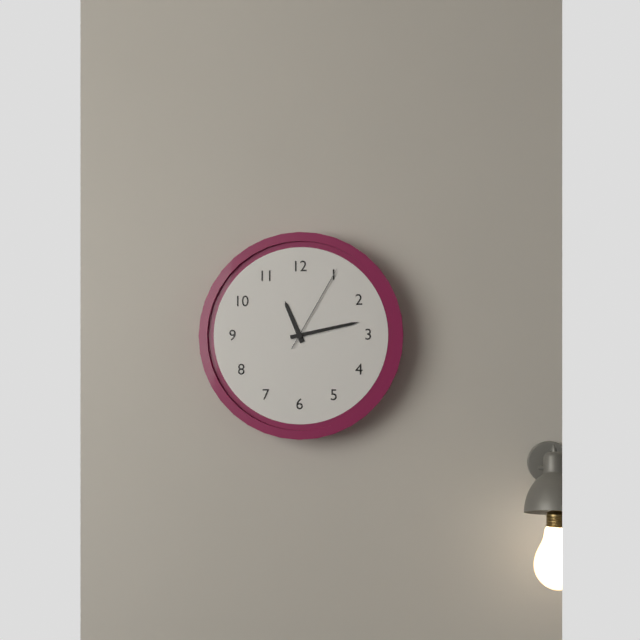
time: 11:13:05
